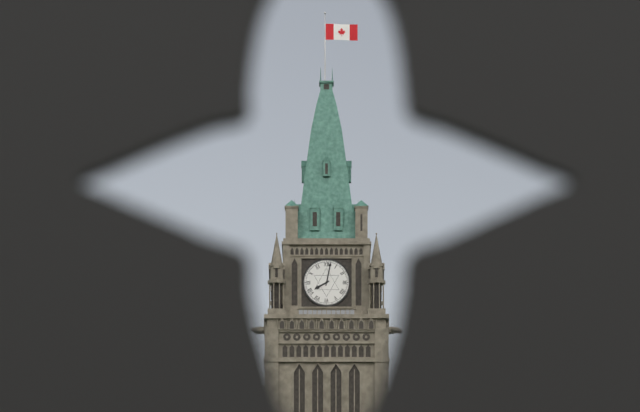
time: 8:02
